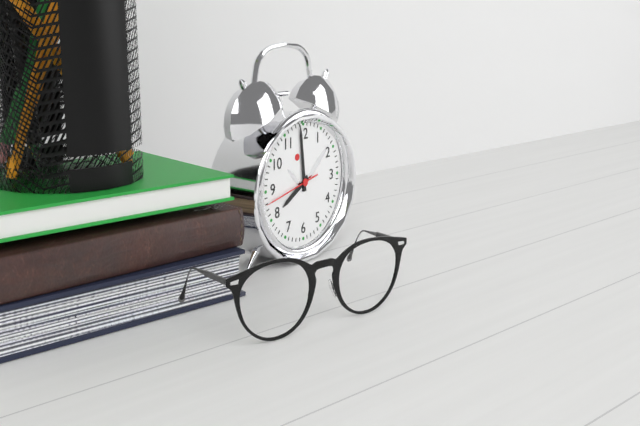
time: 7:59:43
